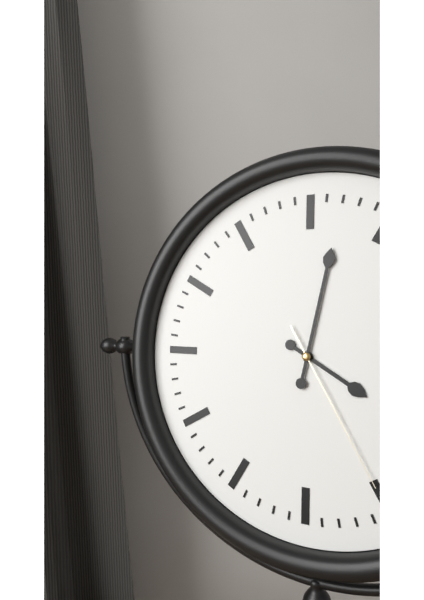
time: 4:02:25
